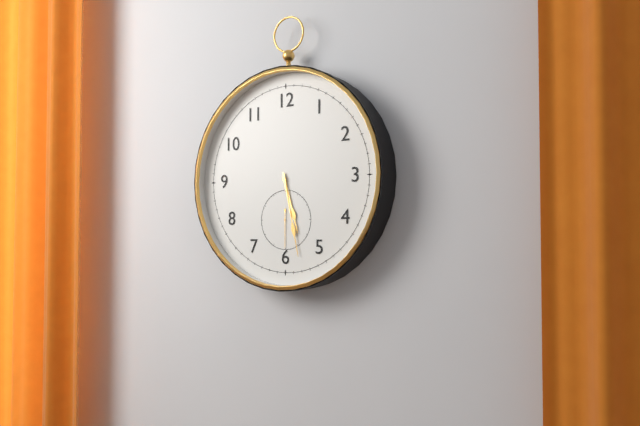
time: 5:28
